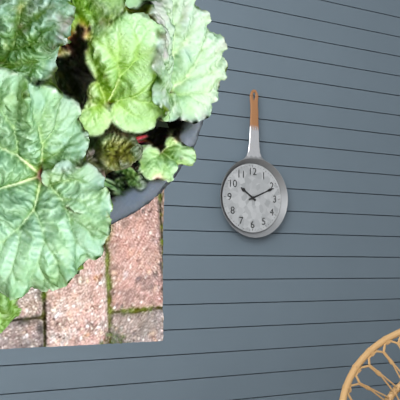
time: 10:11
